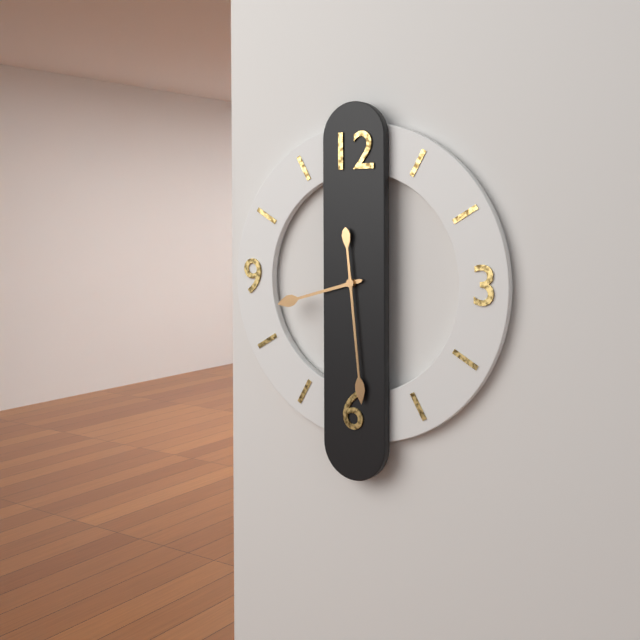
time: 8:29
